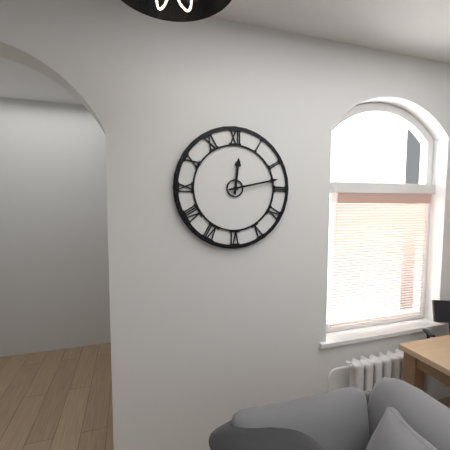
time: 12:13
